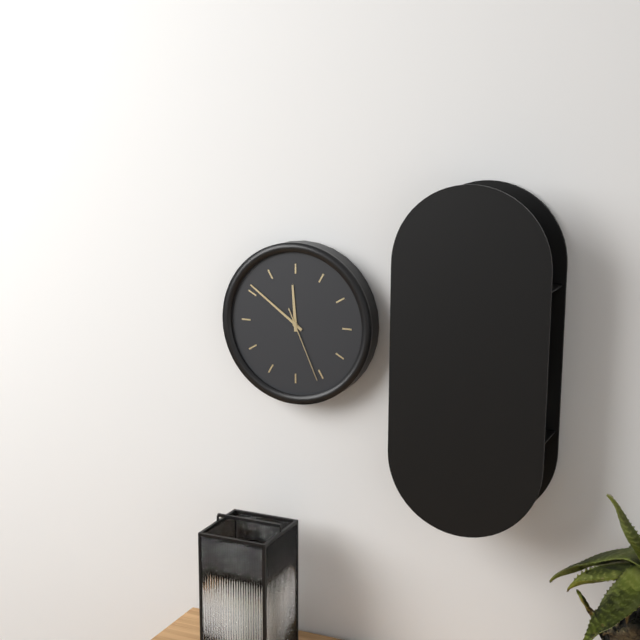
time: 11:51:26
